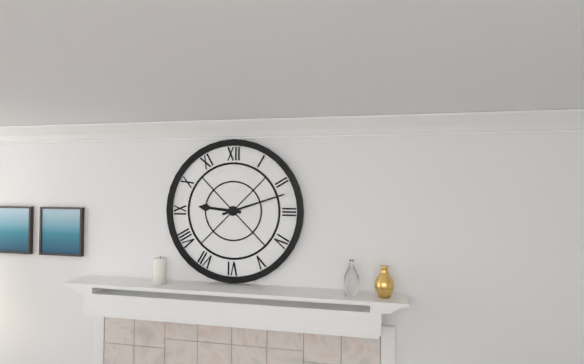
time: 9:12
